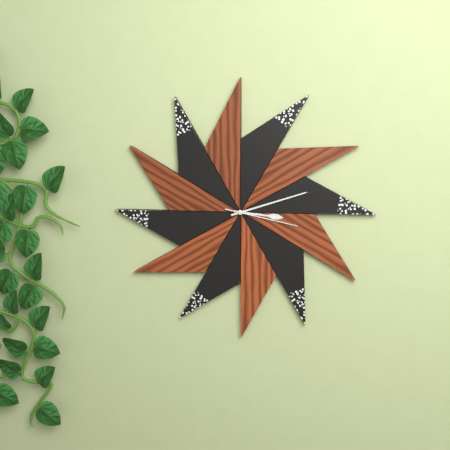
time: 3:12:17
